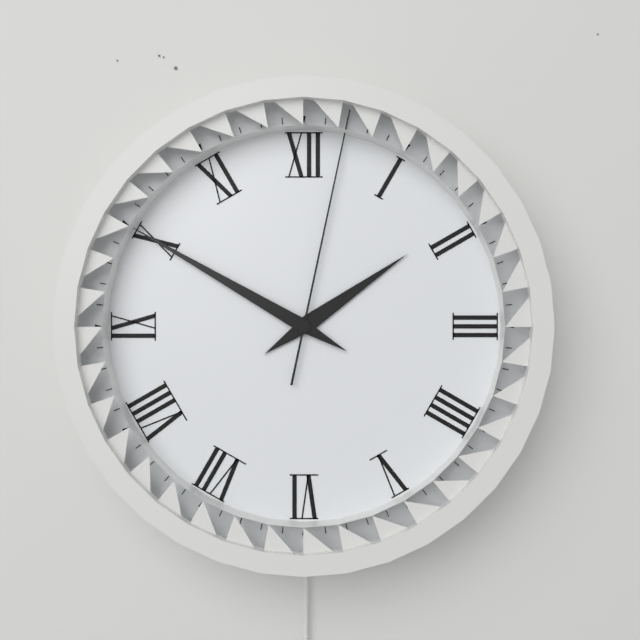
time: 1:50:02
